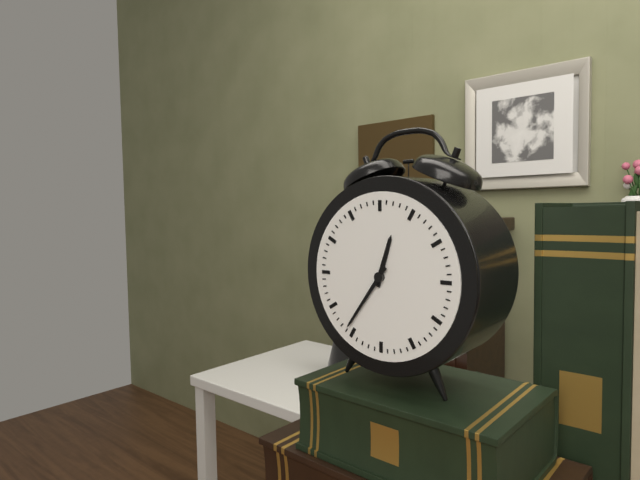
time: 12:36
